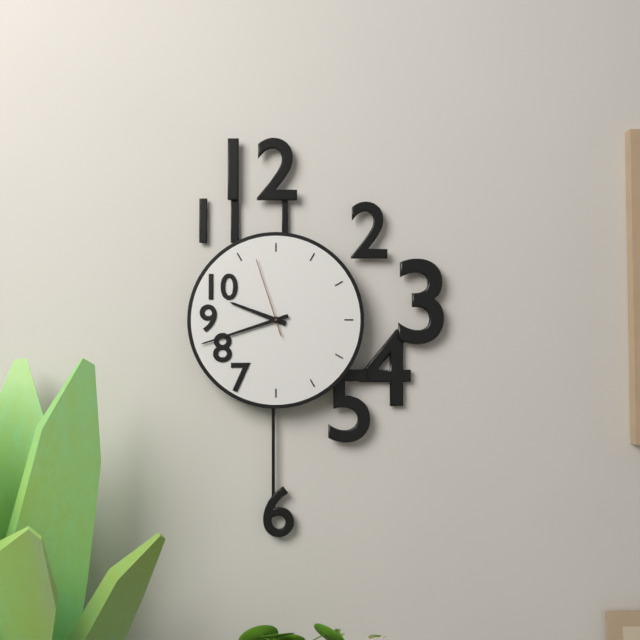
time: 9:42:57
